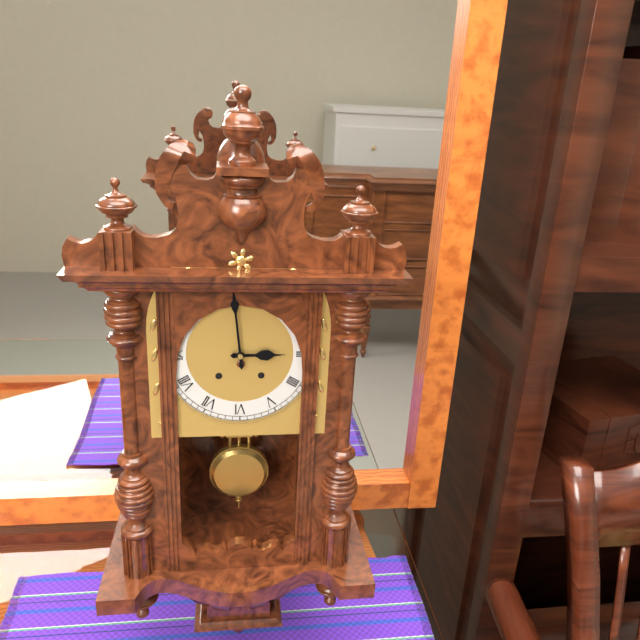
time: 2:59
